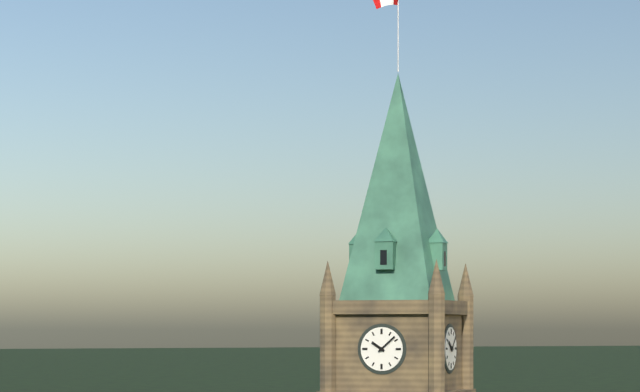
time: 10:08
